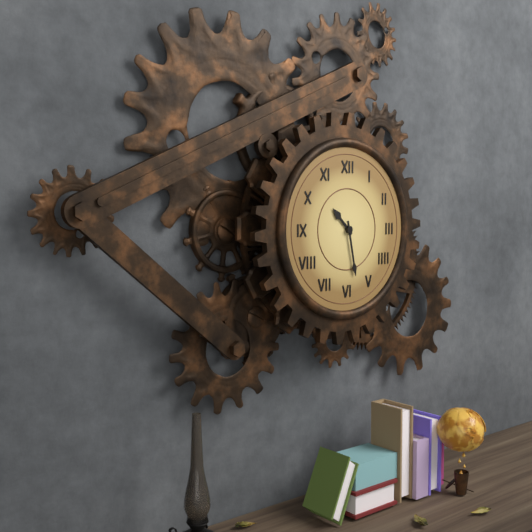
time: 10:28
